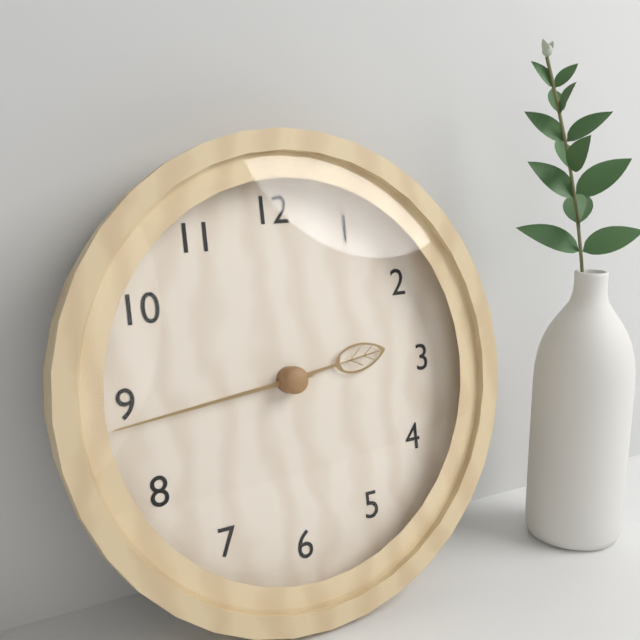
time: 2:44
